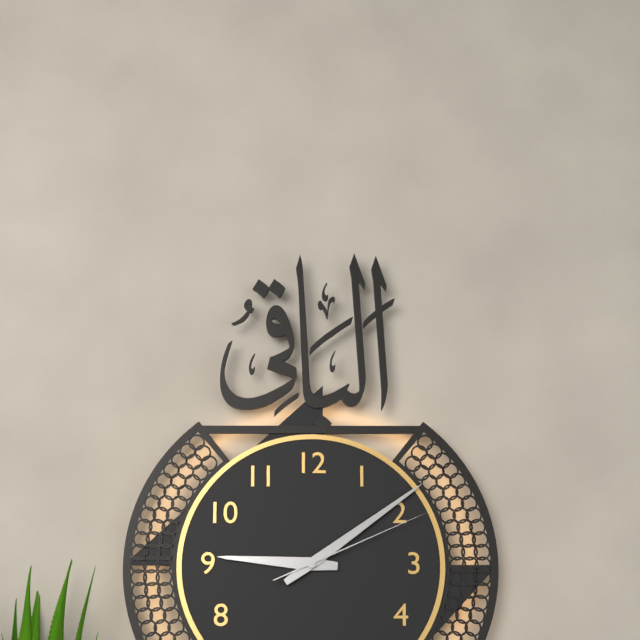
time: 9:09:11
